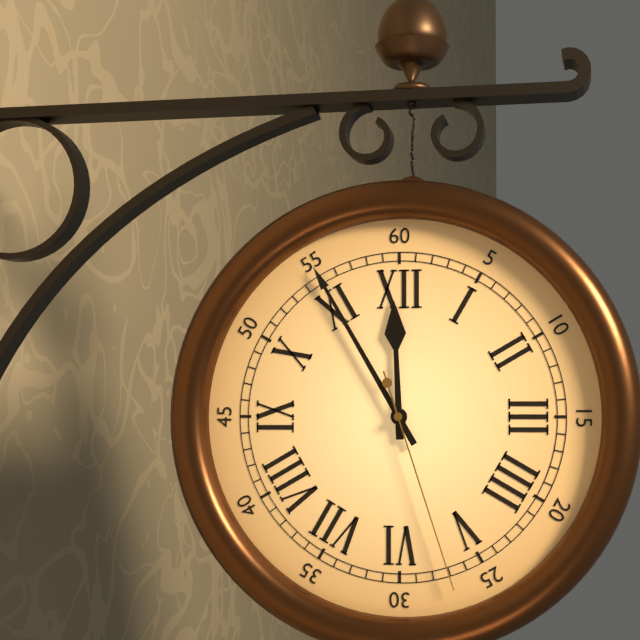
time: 11:55:27
